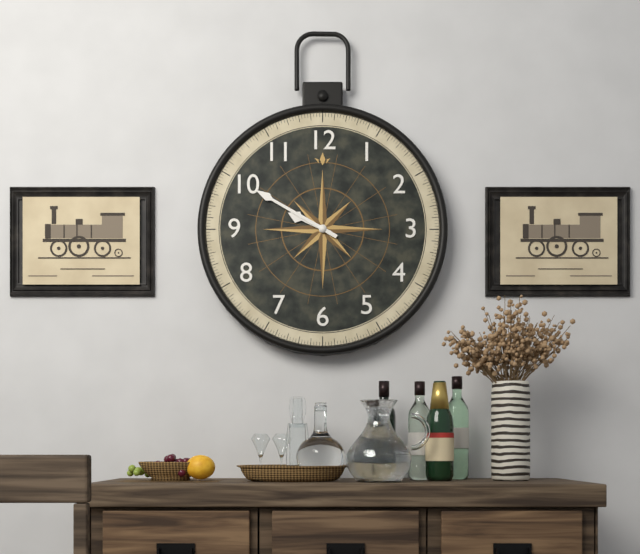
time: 9:50
